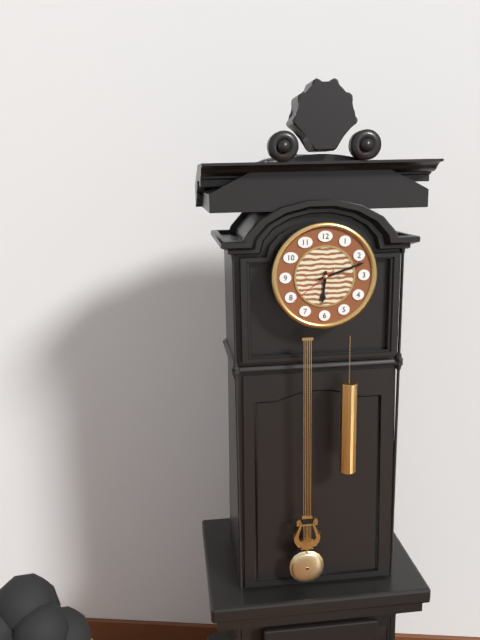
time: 6:12
